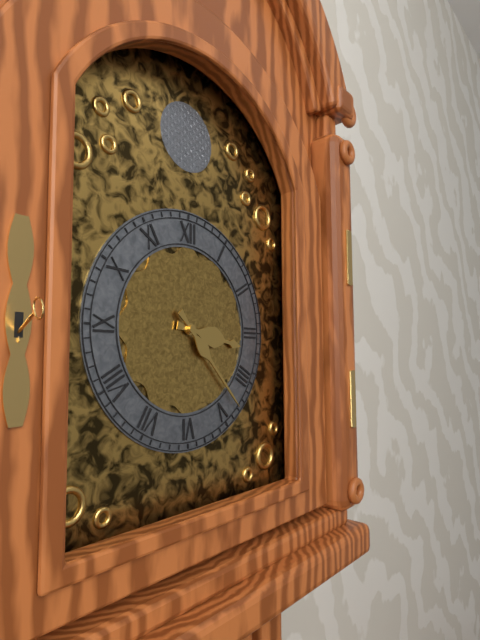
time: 3:23
